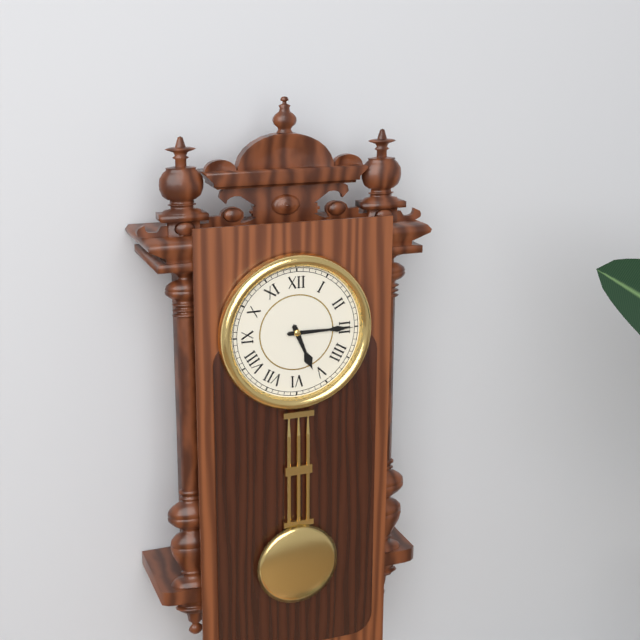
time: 5:15
